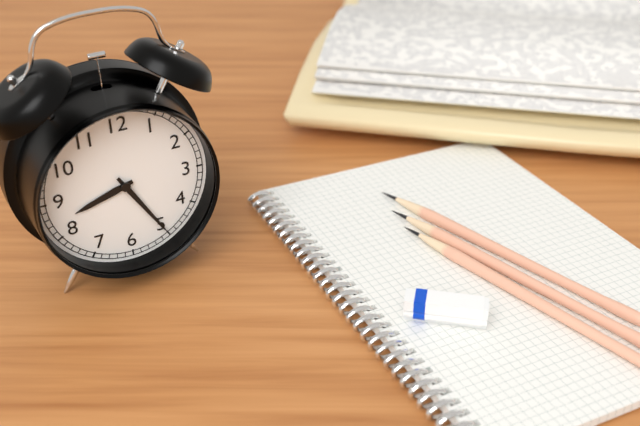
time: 8:25
